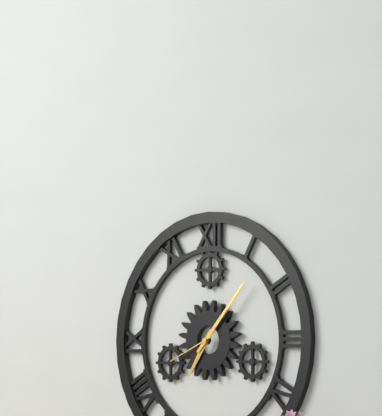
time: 7:07:41
